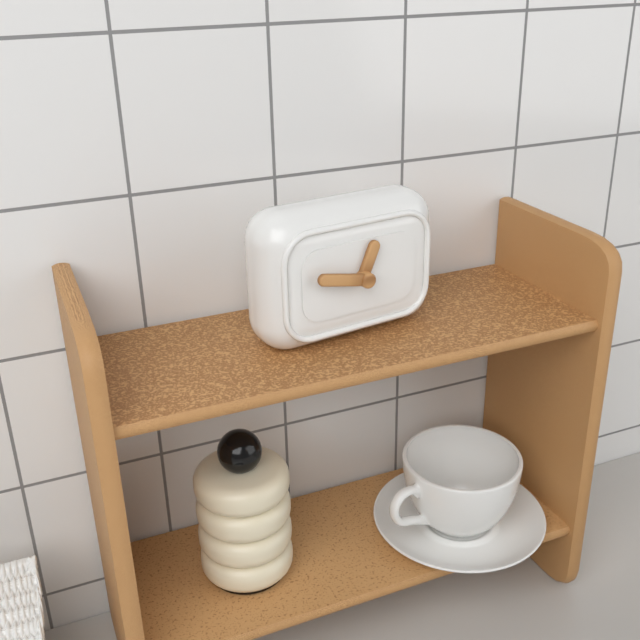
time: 12:47
